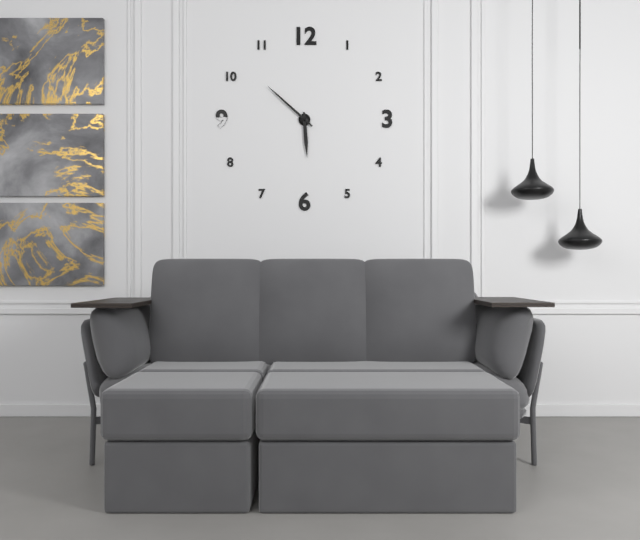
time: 5:52
